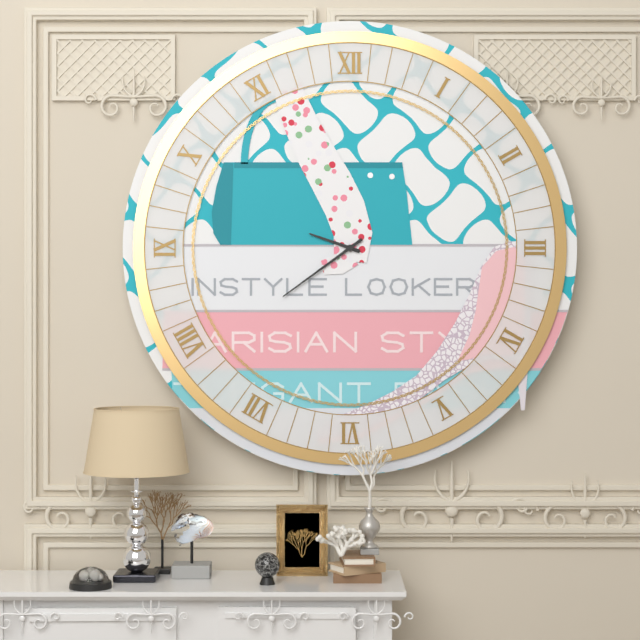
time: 9:39
